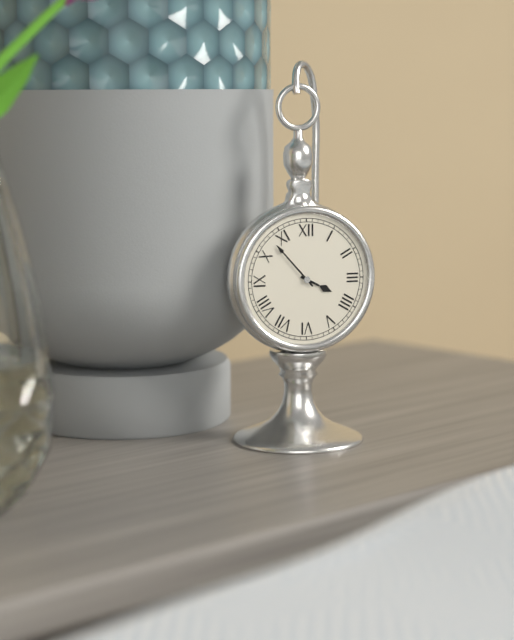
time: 3:53
